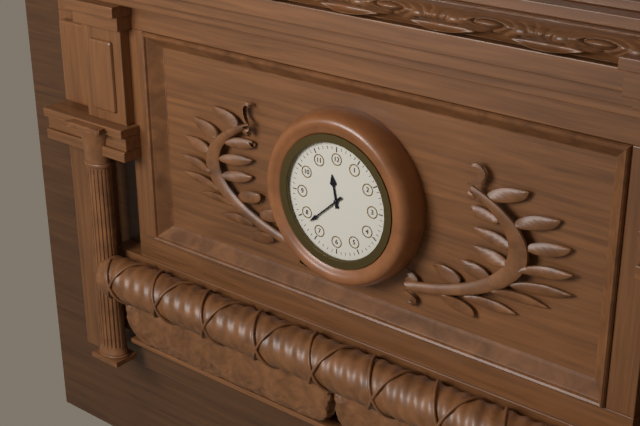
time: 11:38
